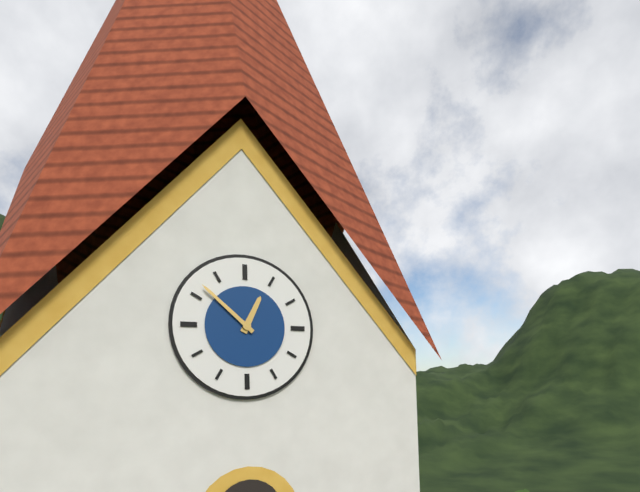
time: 12:52
